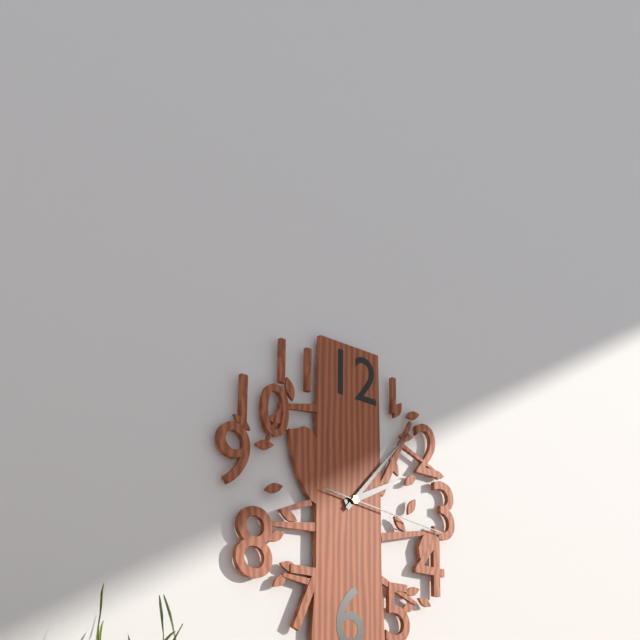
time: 2:07:16
